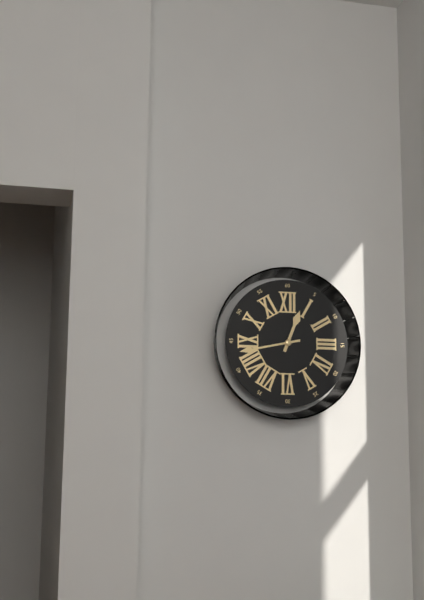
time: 12:43
